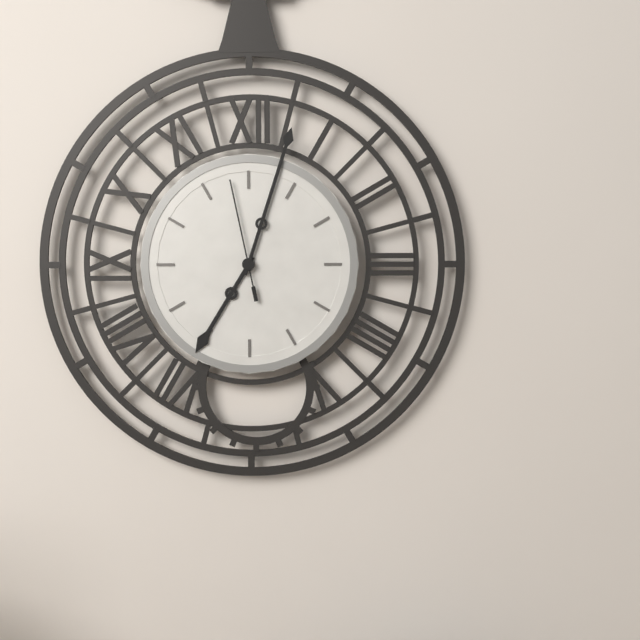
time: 7:03:58
